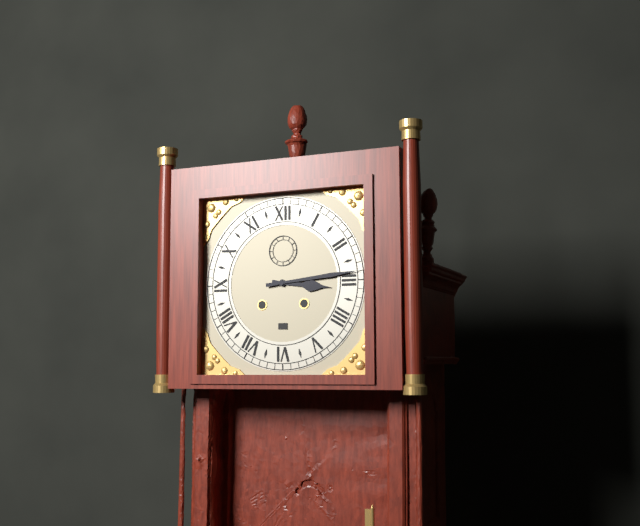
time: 3:14
